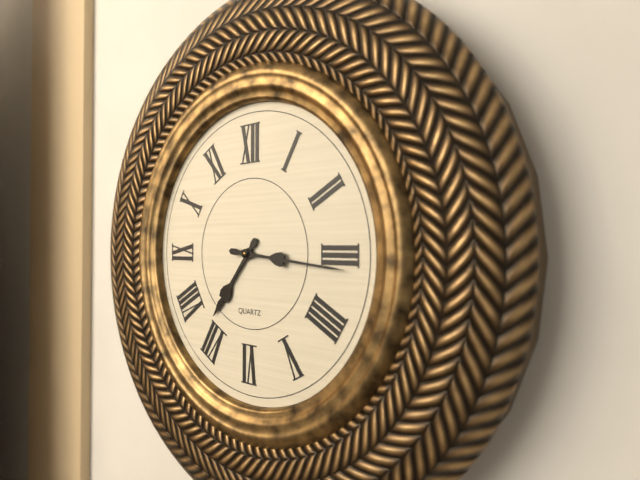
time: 7:16
